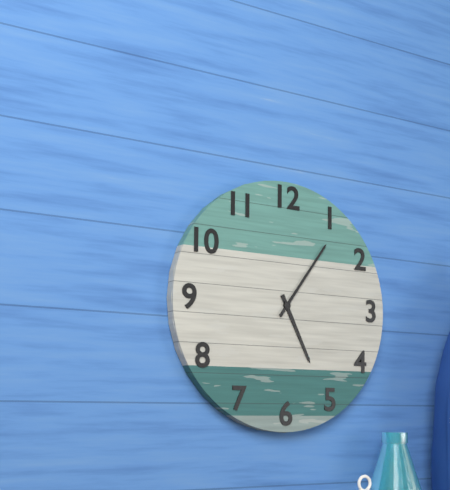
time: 5:06
